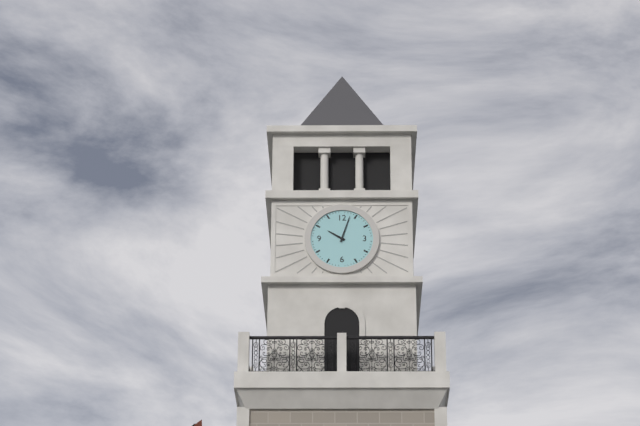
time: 10:03
